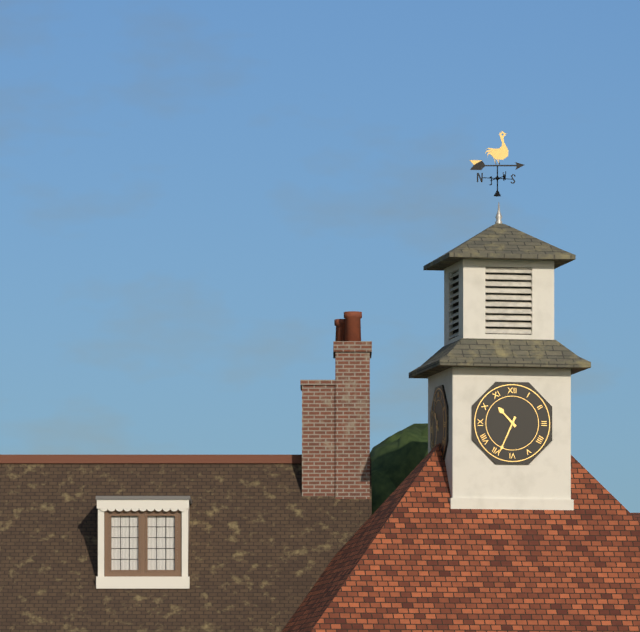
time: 10:34
